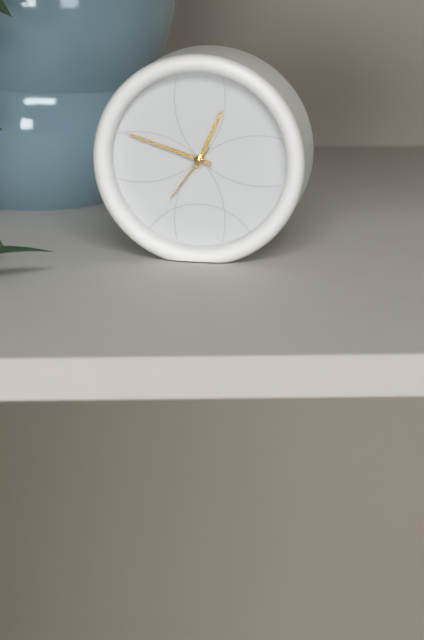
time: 12:48:36
